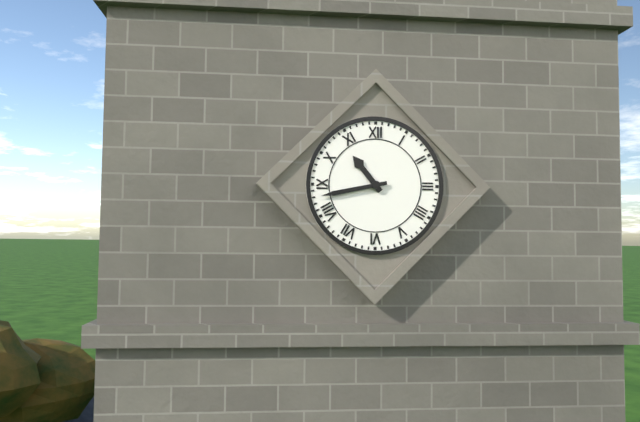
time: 10:43
